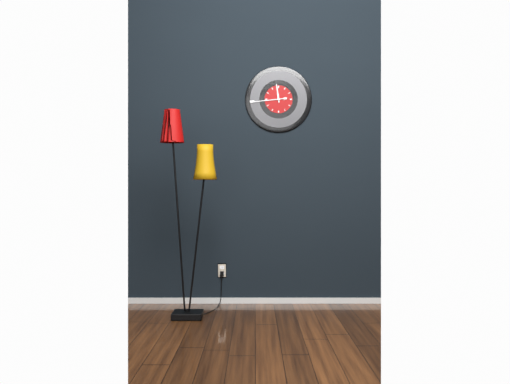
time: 11:44
